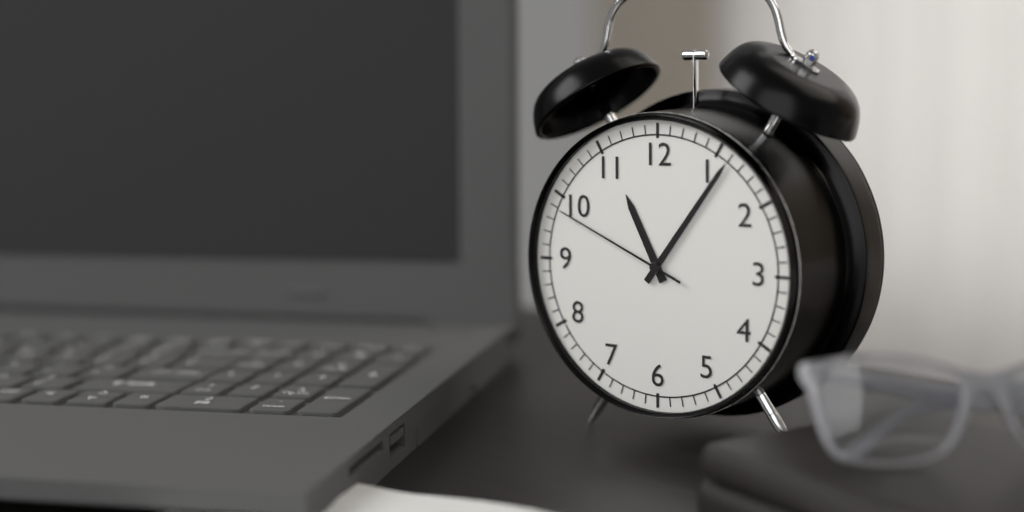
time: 11:06:49
